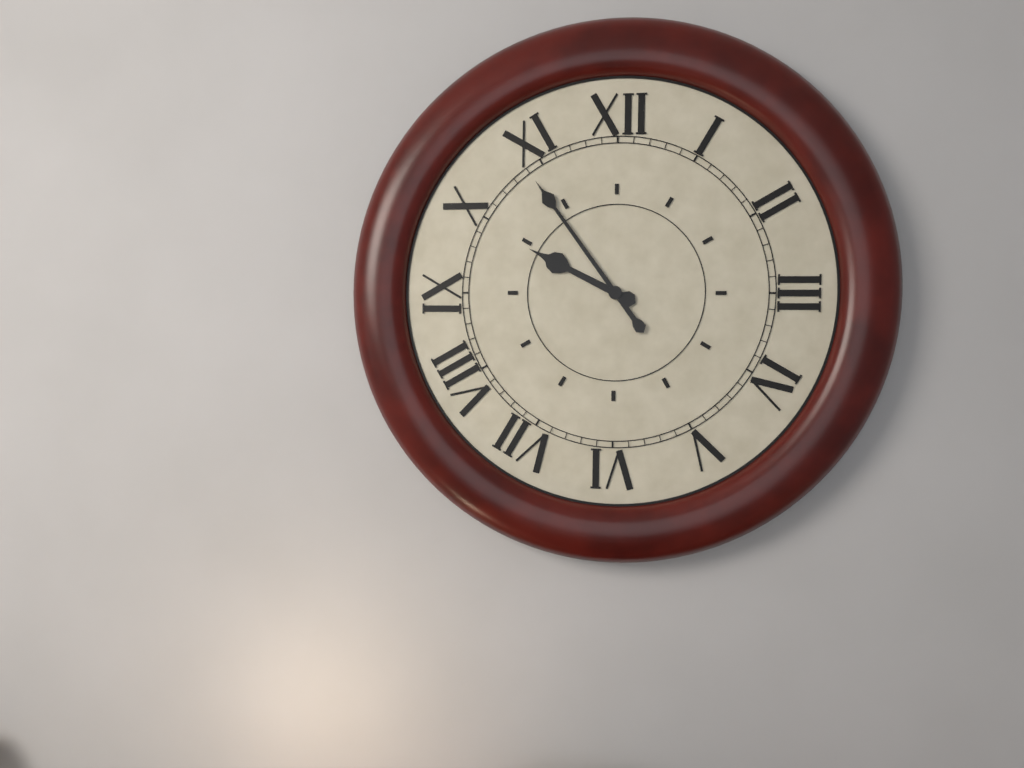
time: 9:54
